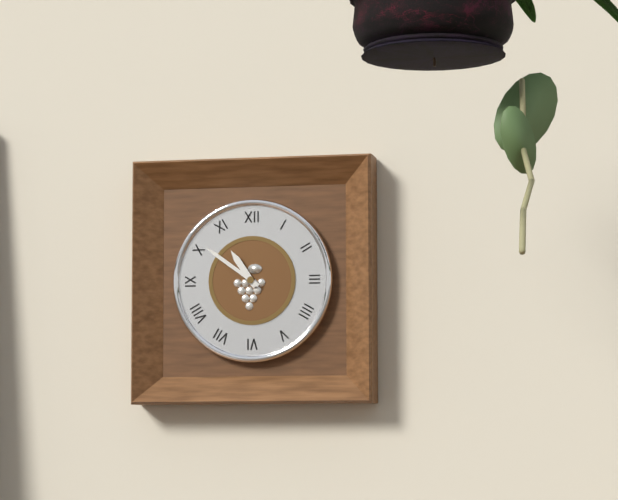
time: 10:51
